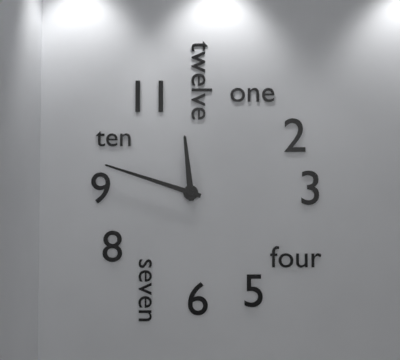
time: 11:48
